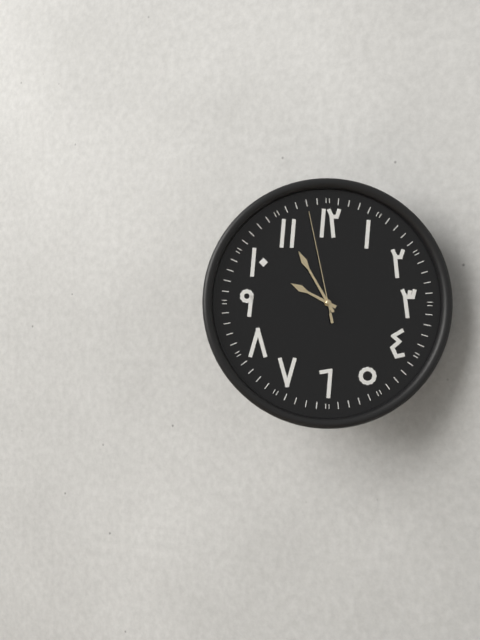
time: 9:55:58
